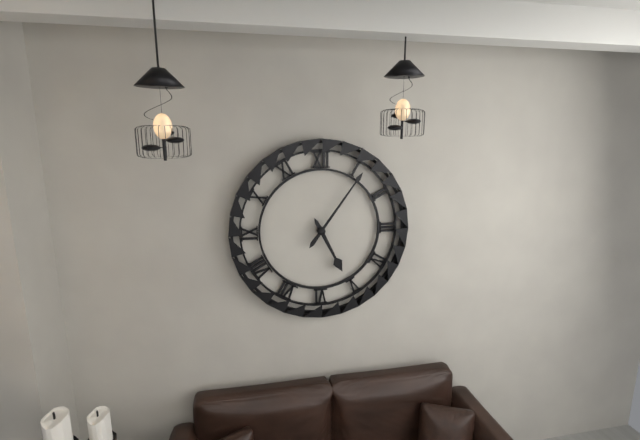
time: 5:06
